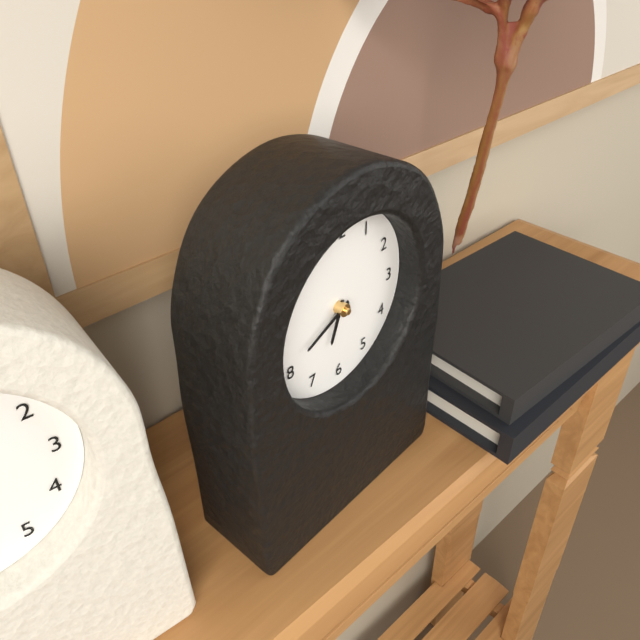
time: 6:41
